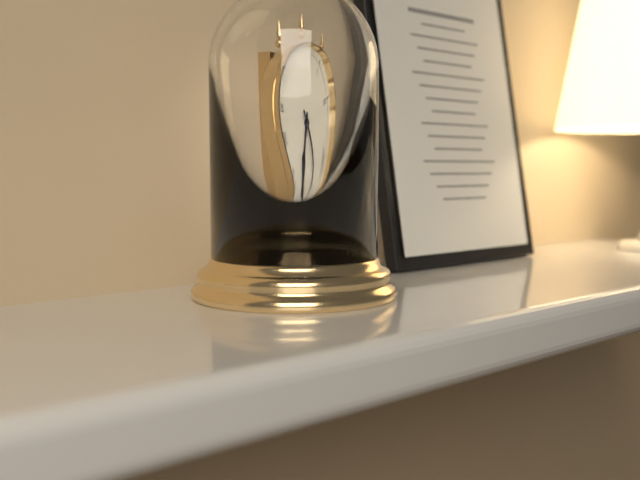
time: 6:22
